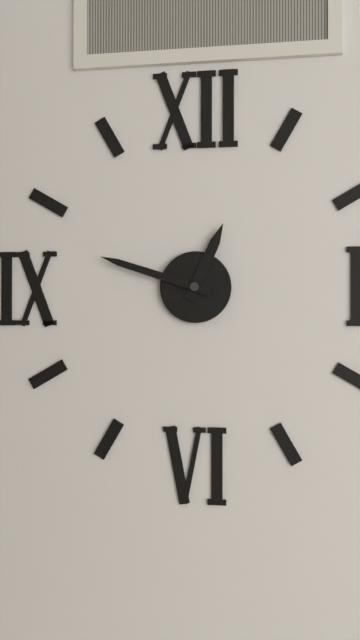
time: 12:48
